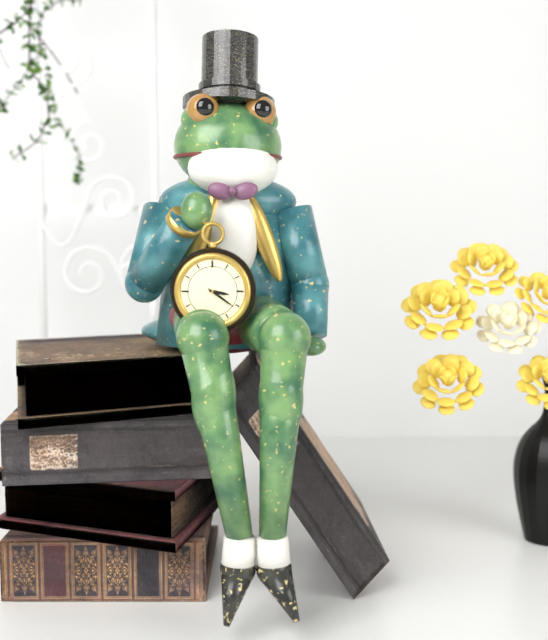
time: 3:21
